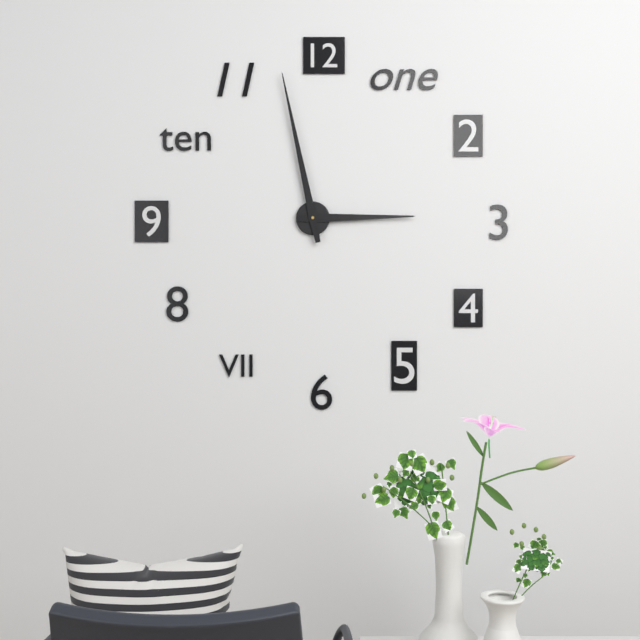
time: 2:58
